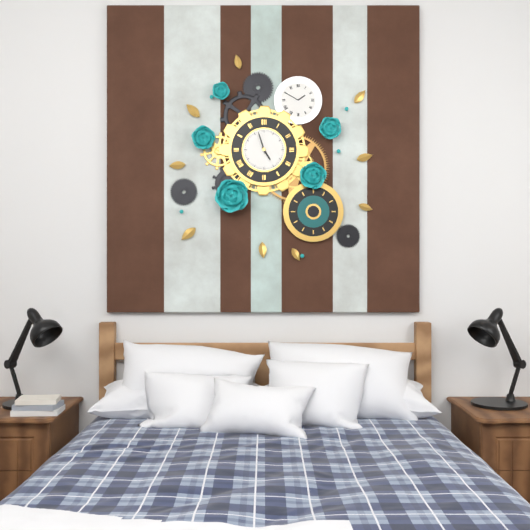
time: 4:57
